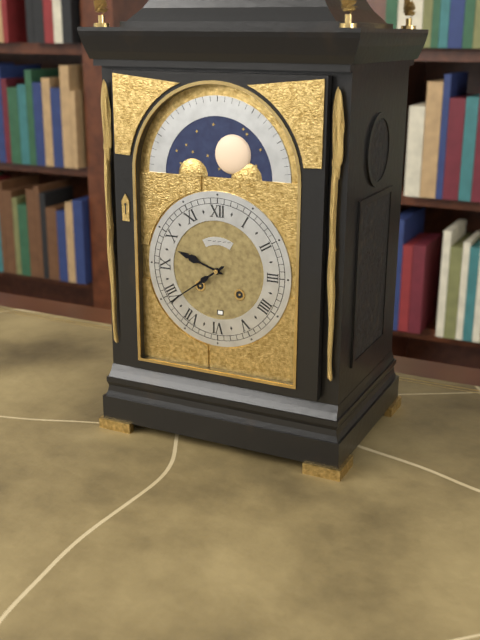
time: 9:39
